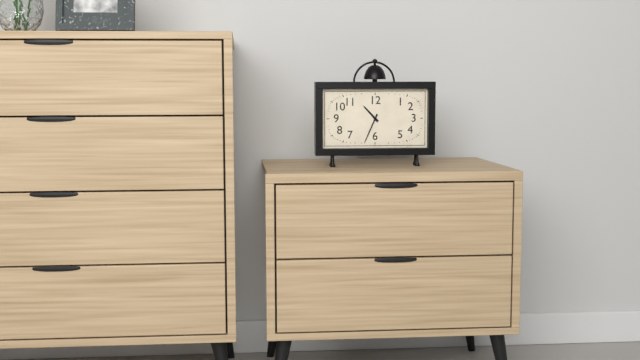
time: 10:34
